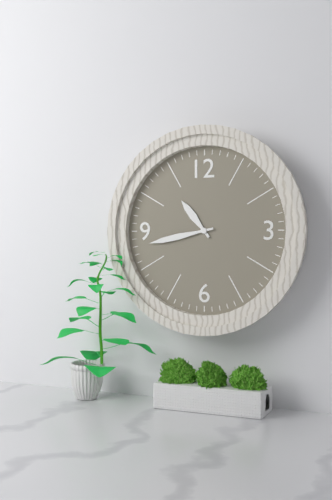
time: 10:43
